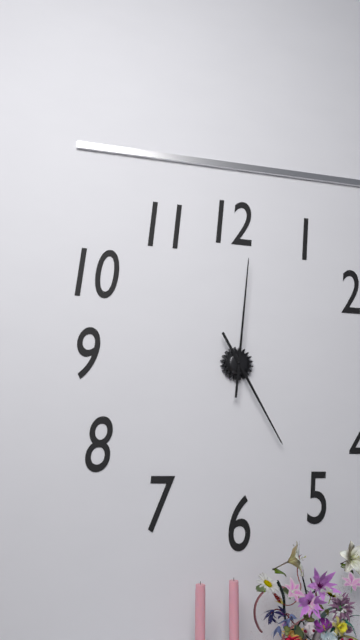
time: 5:01
